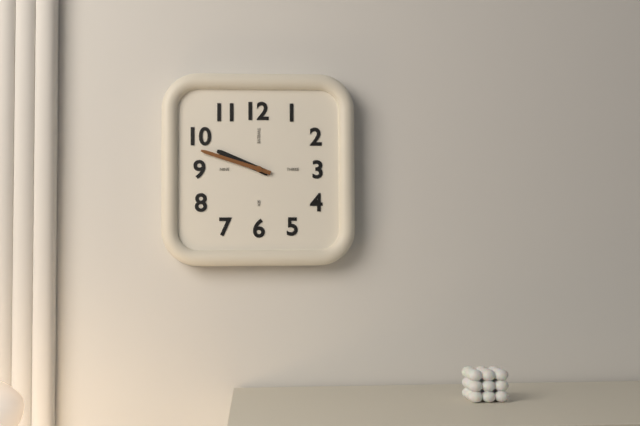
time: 9:48
